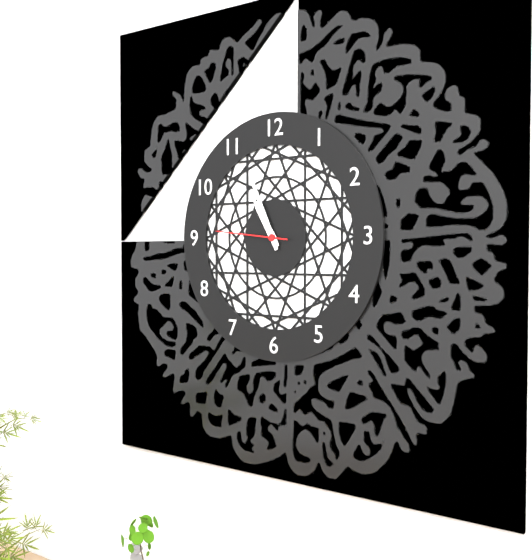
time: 10:56:46
